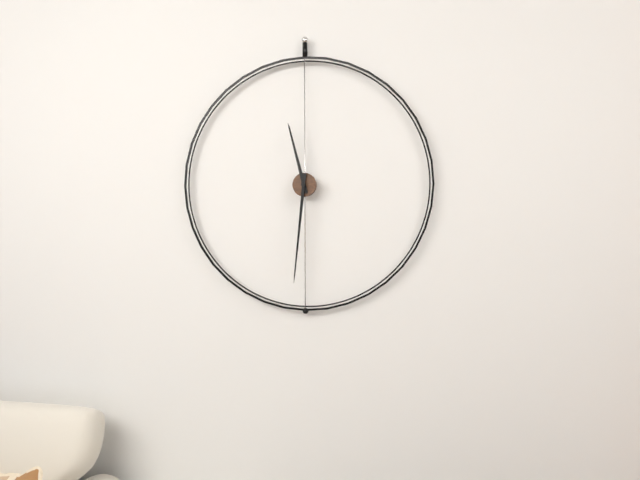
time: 11:31
